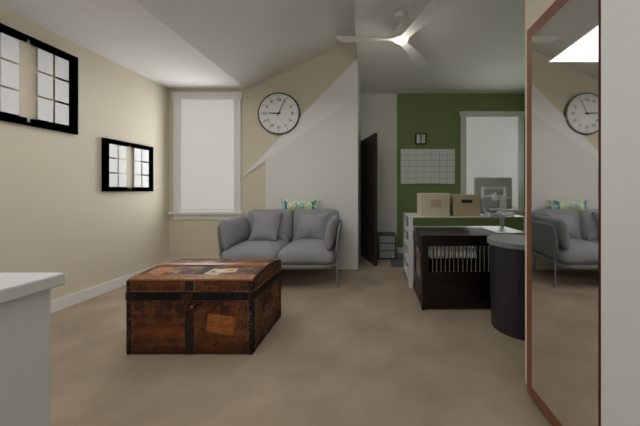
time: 9:04
